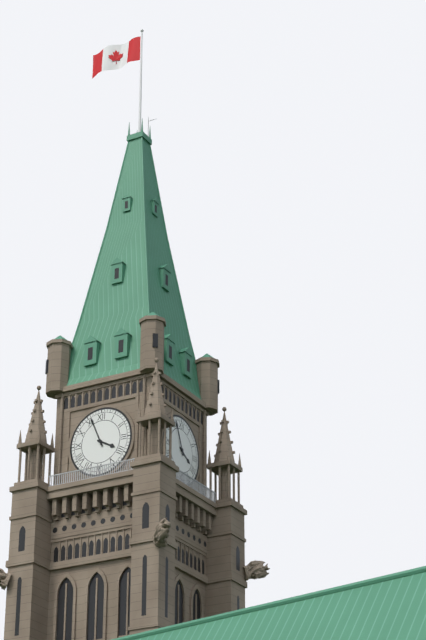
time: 3:56
